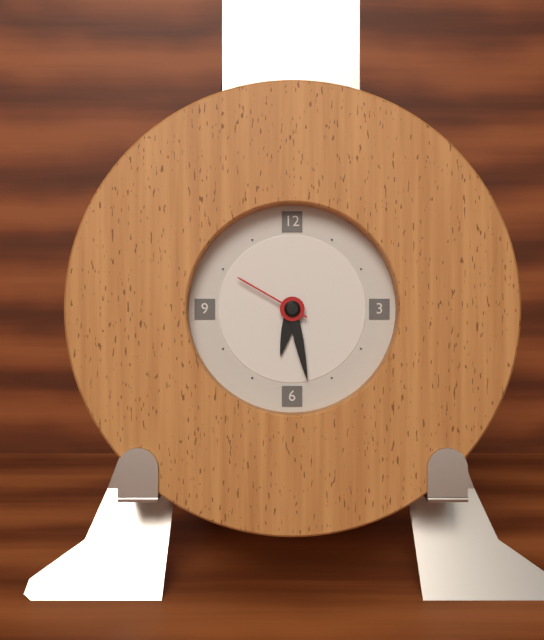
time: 6:28:50
